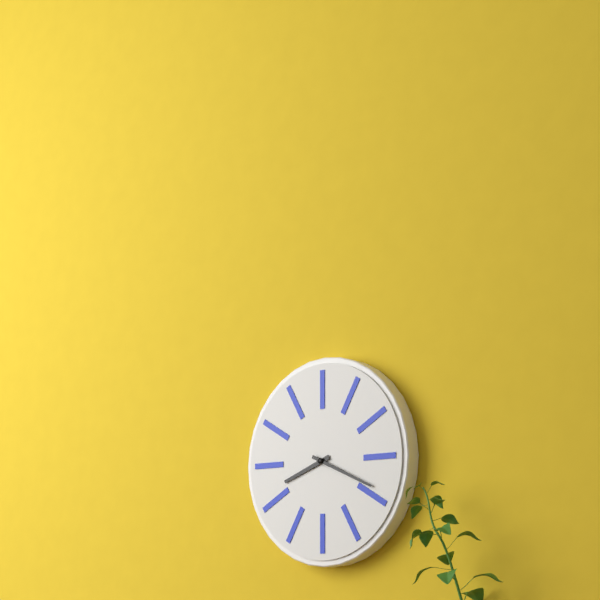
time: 8:19
